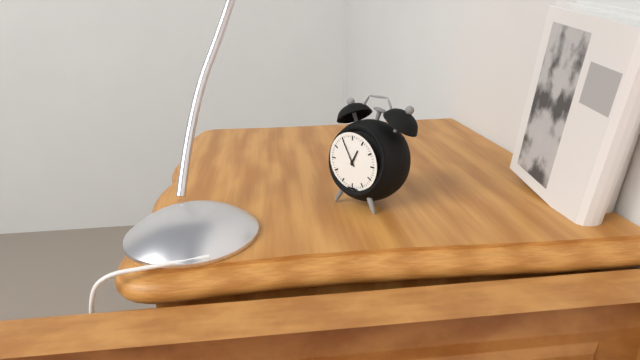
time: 12:55
